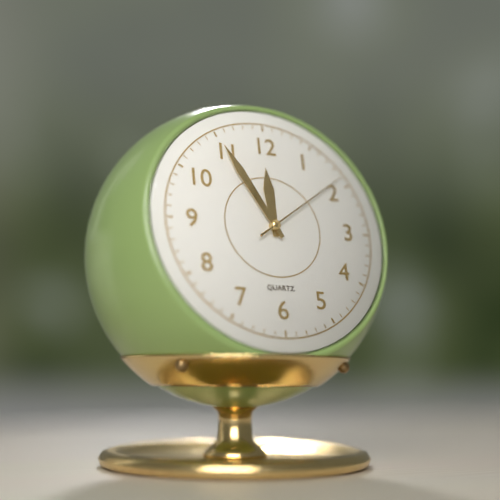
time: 11:55:09
